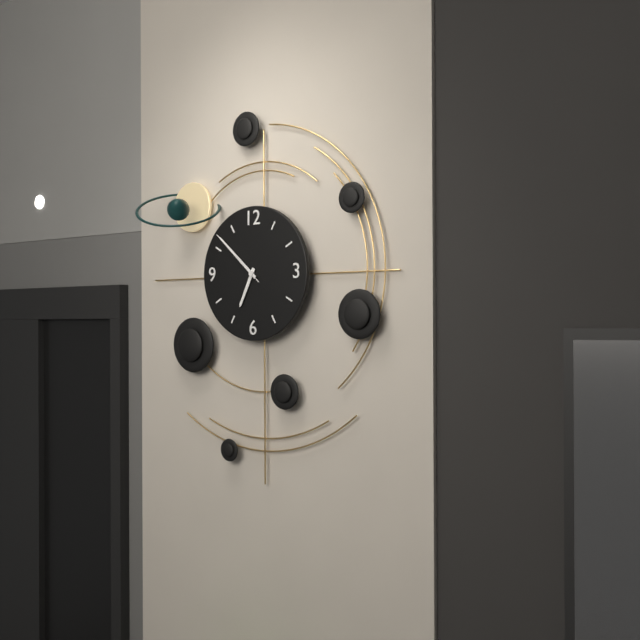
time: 6:52:52
